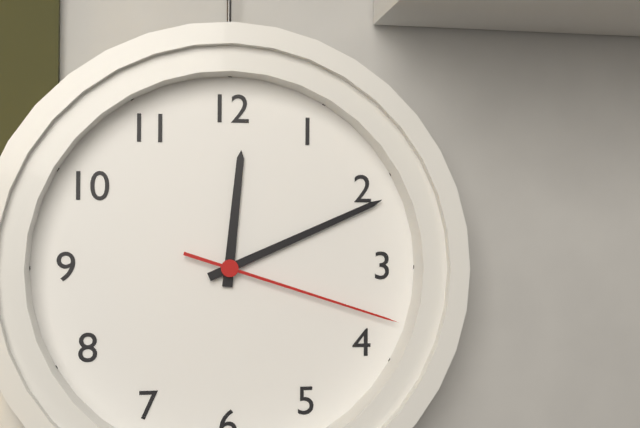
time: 12:11:18
